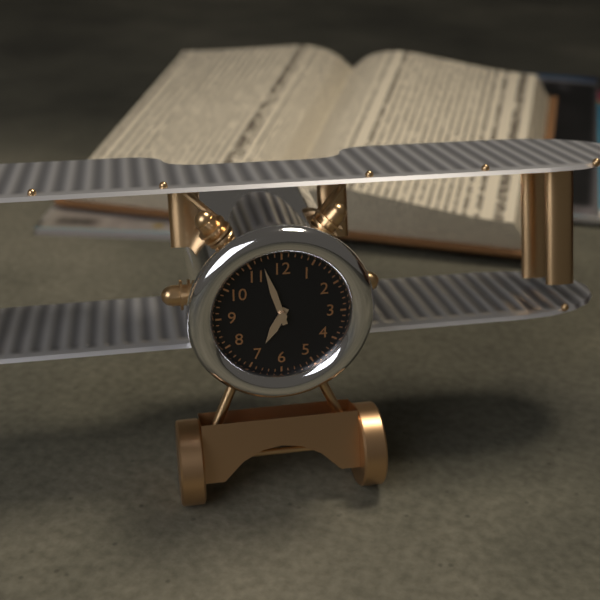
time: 6:57
